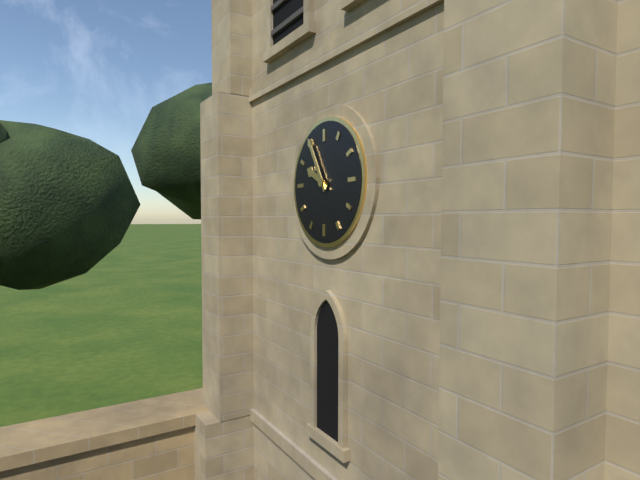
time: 9:55
